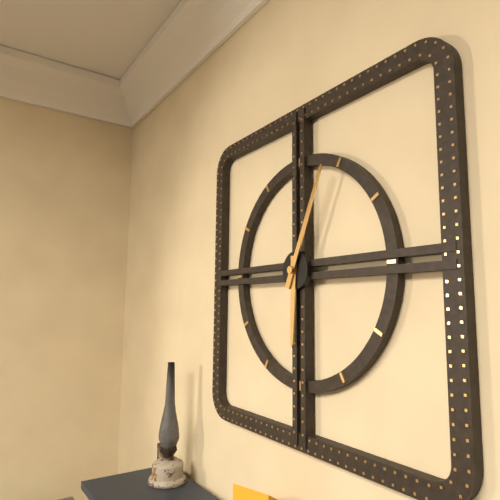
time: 6:04
